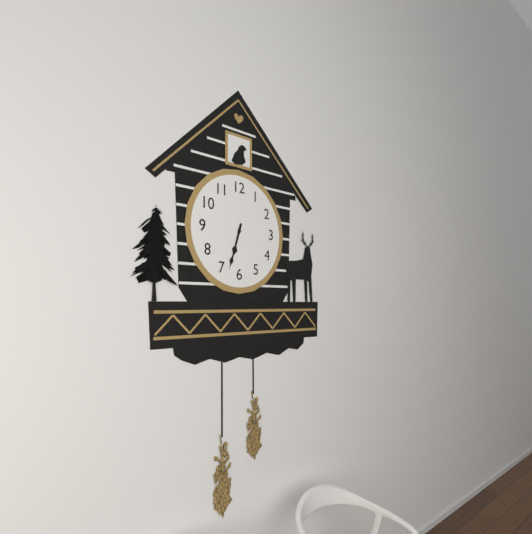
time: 6:33
